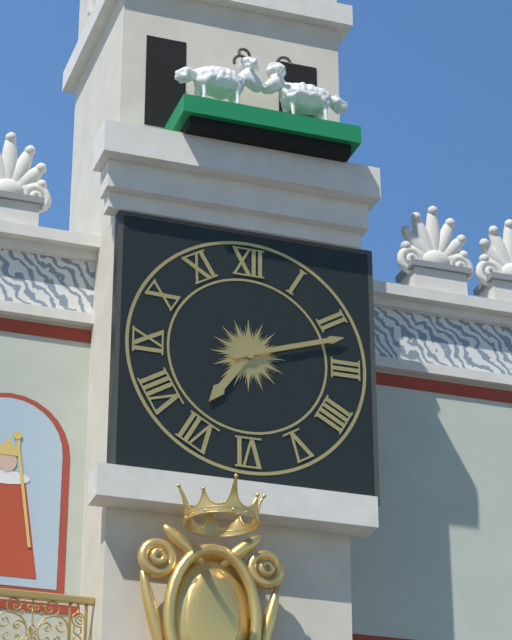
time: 7:12
